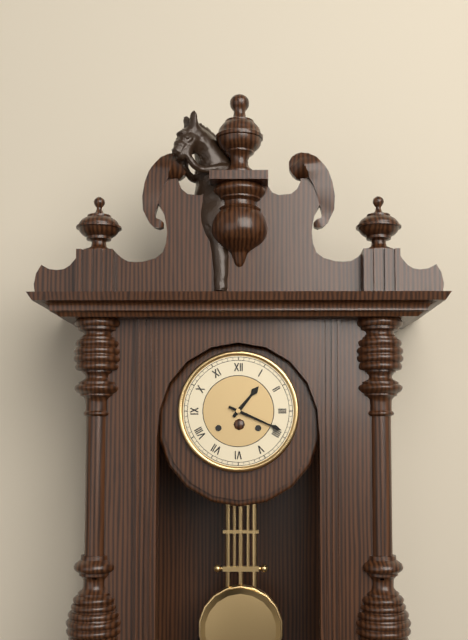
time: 1:19
